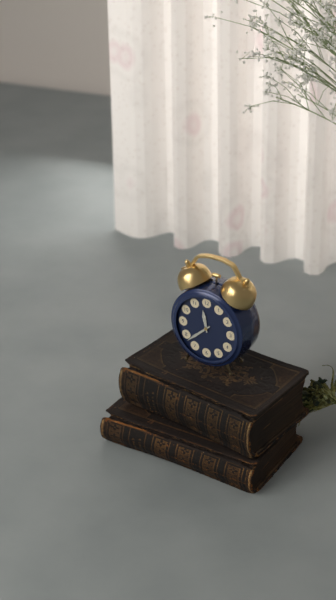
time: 11:38
